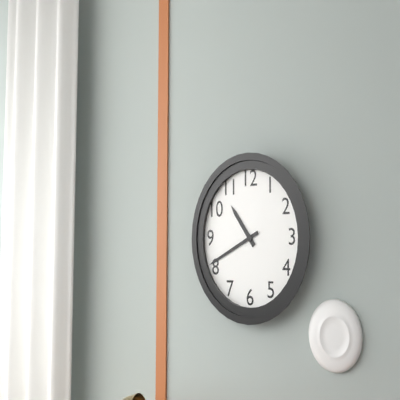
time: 10:41
